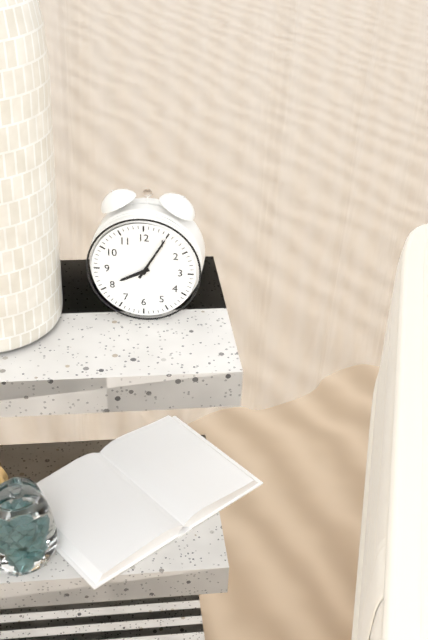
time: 8:05
